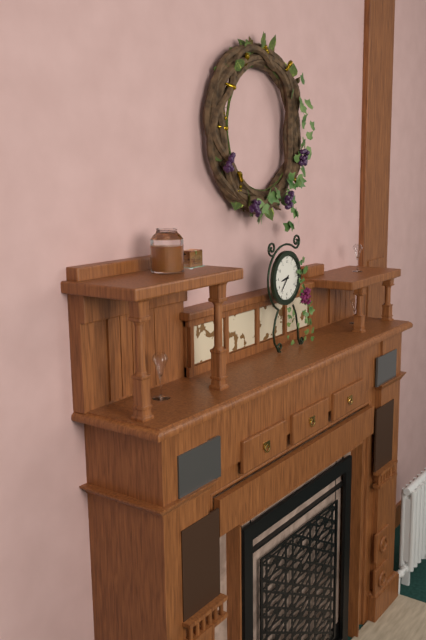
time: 8:37
